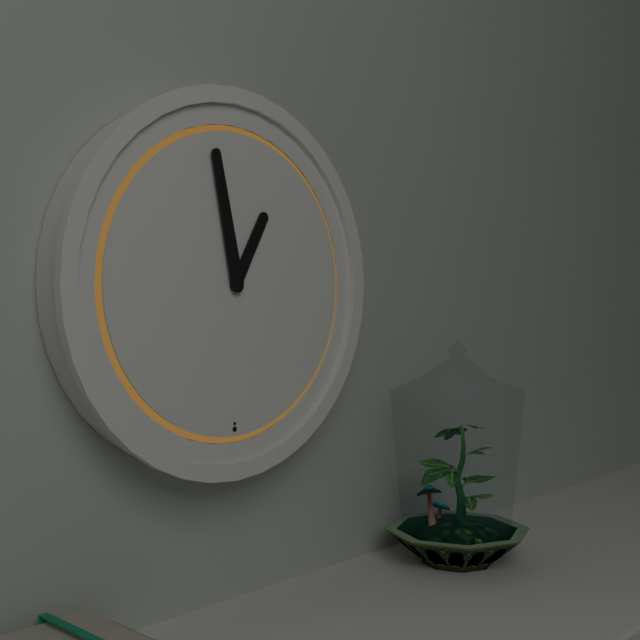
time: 12:58
